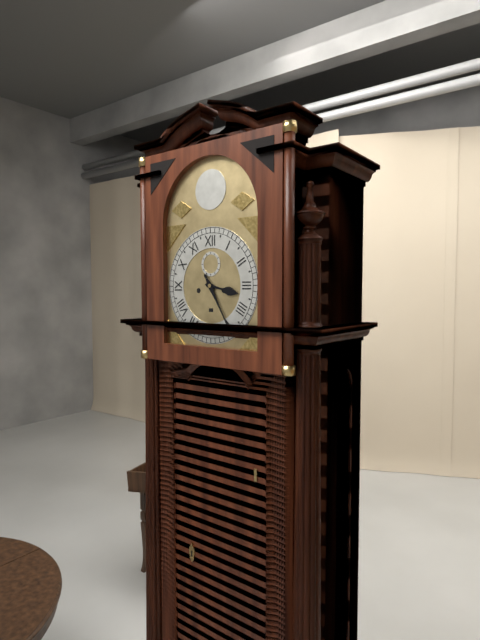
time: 3:25
